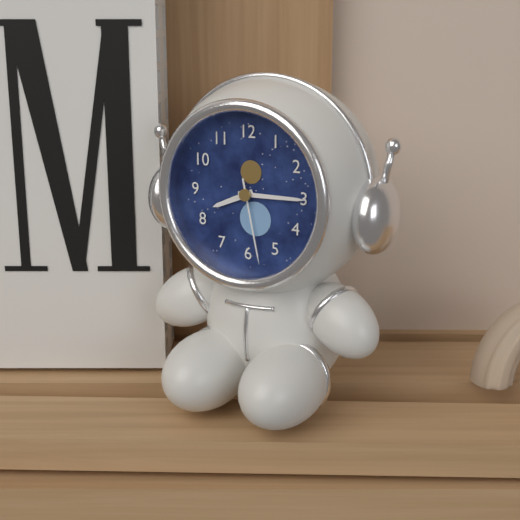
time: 8:15:28
